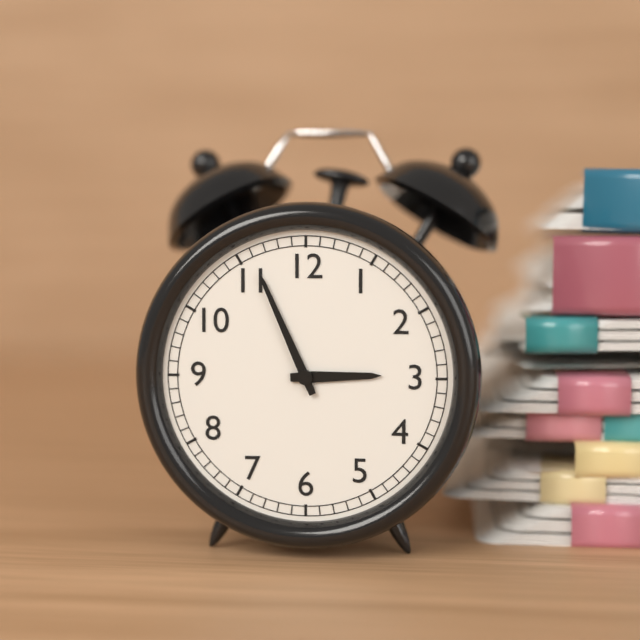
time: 2:56
